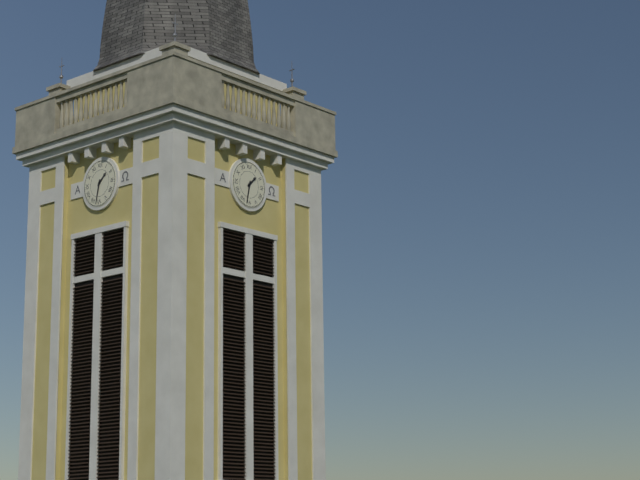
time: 1:32
